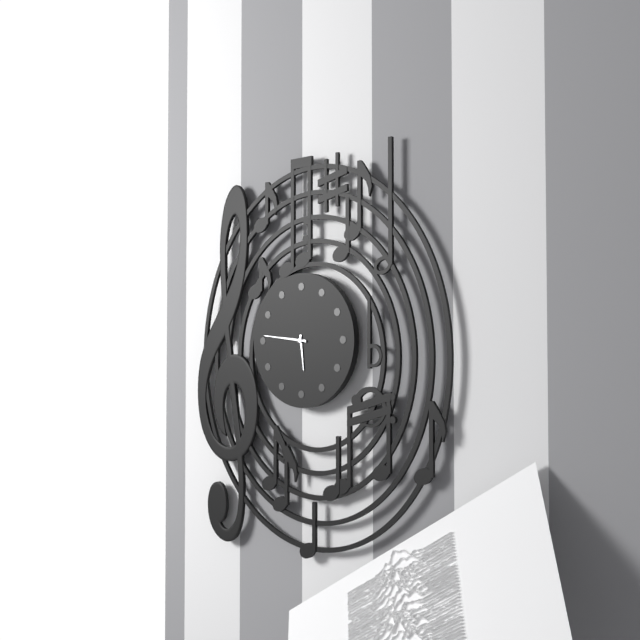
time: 5:46
